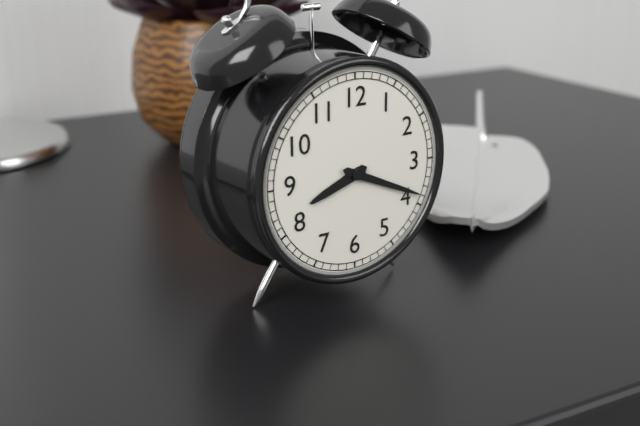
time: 8:19
